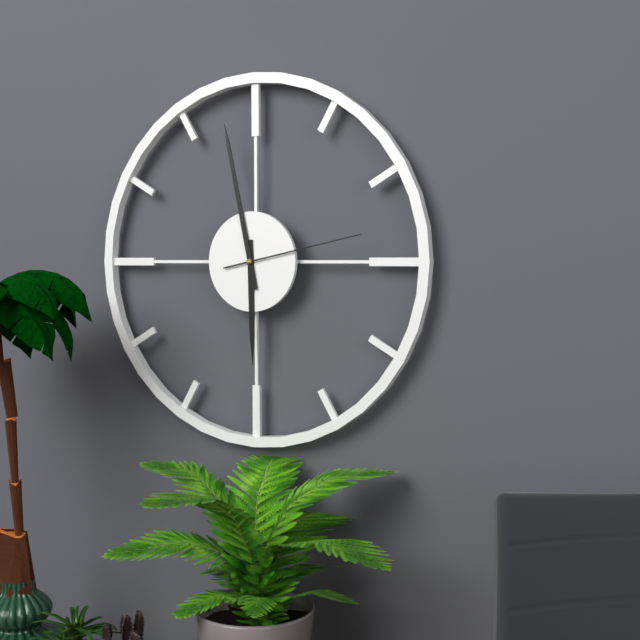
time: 5:58:13
